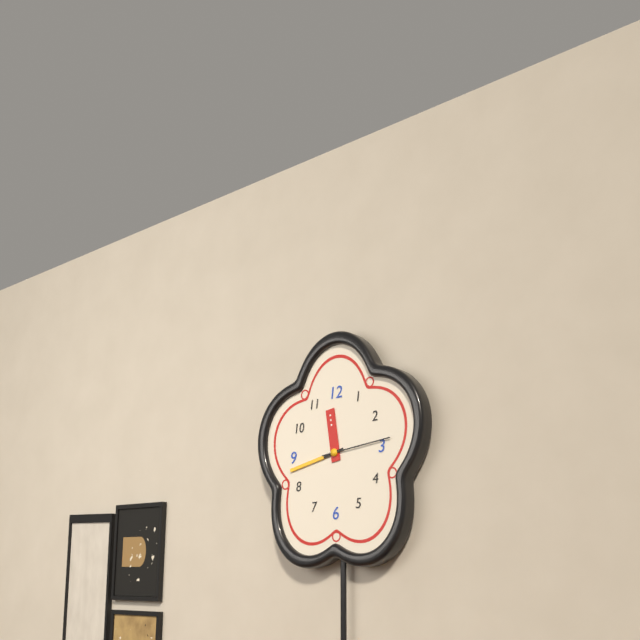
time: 11:43:14
